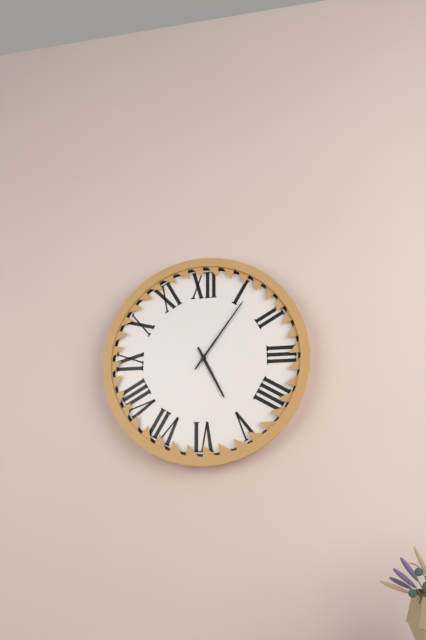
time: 5:06
